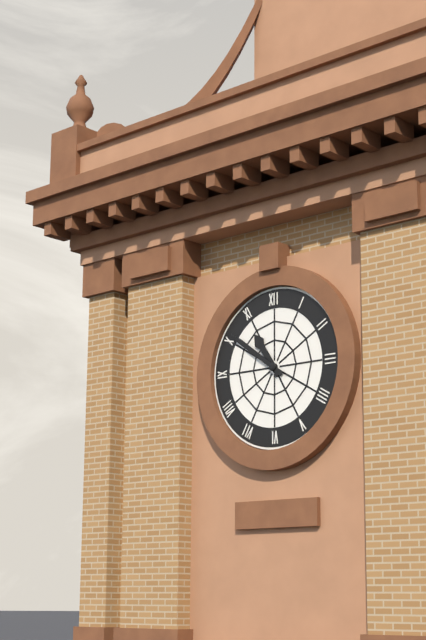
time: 10:51
